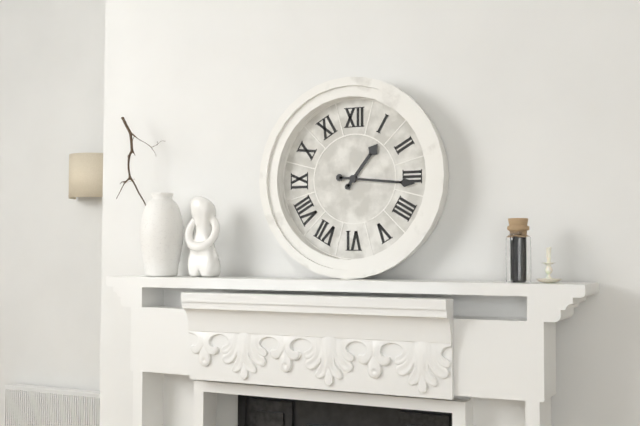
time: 1:16
